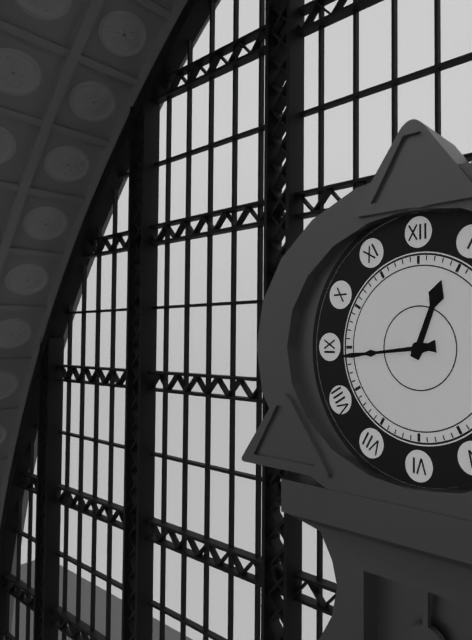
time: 12:44
